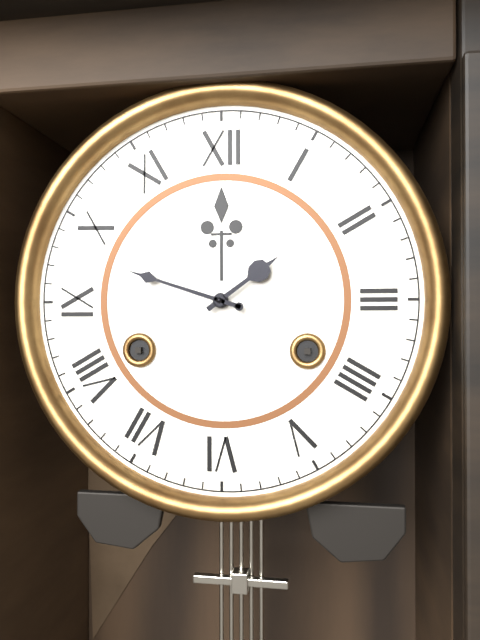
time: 1:48
